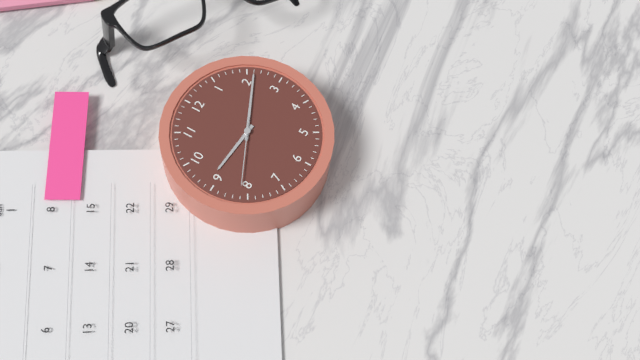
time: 9:11
